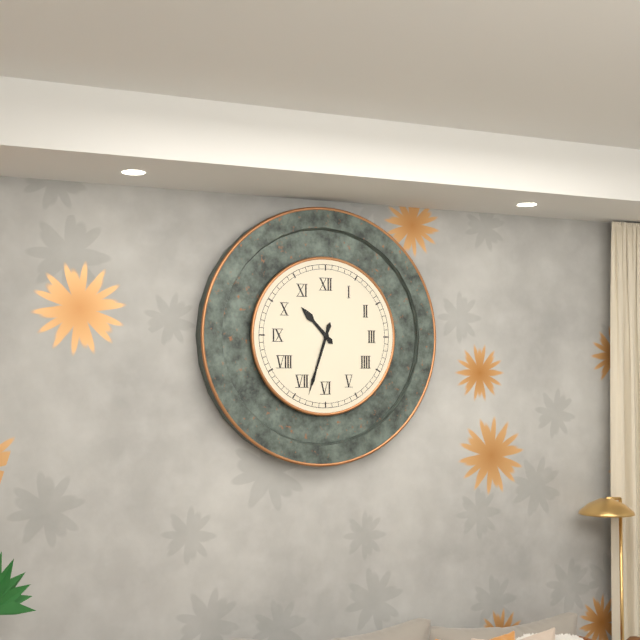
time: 10:33
